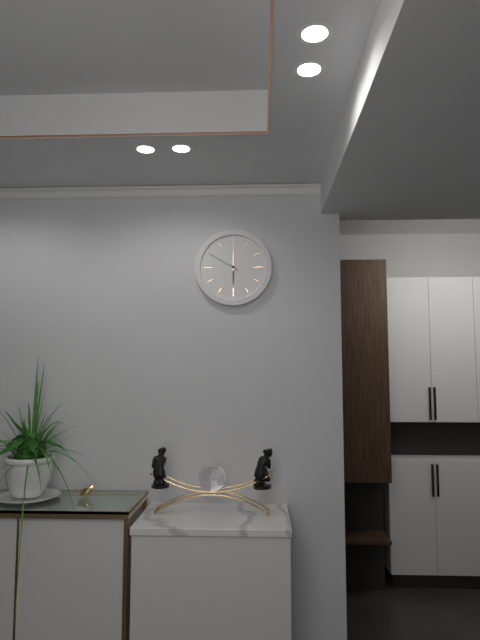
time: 6:00
